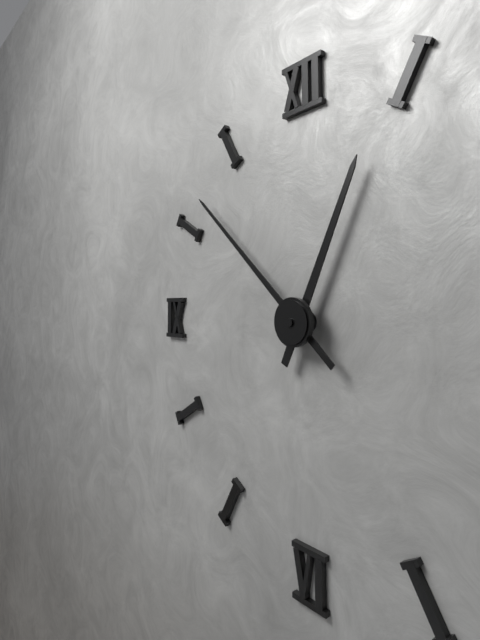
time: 12:52
